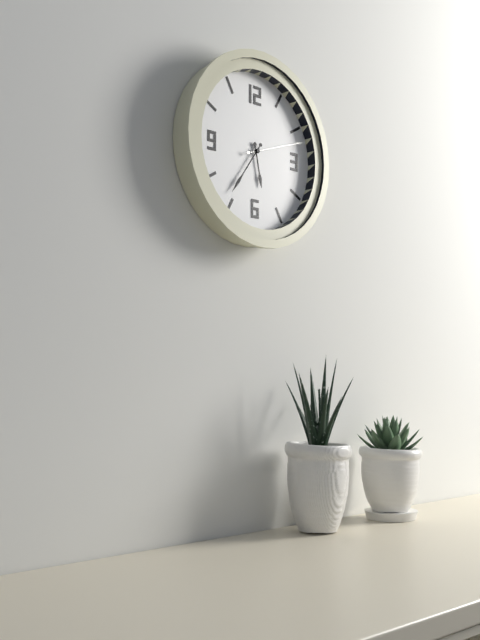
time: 5:36:12
